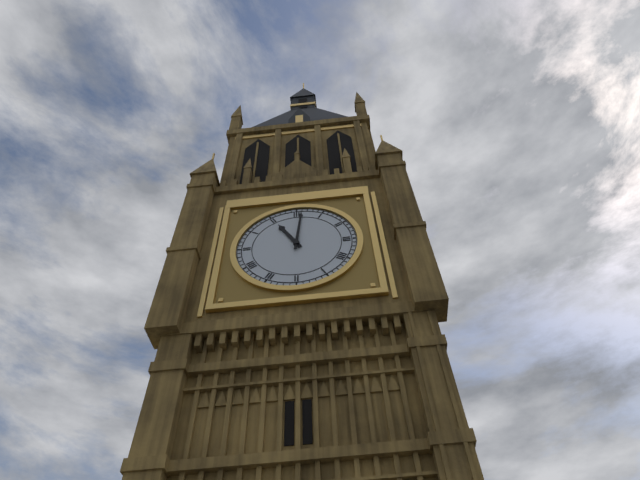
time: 11:01
